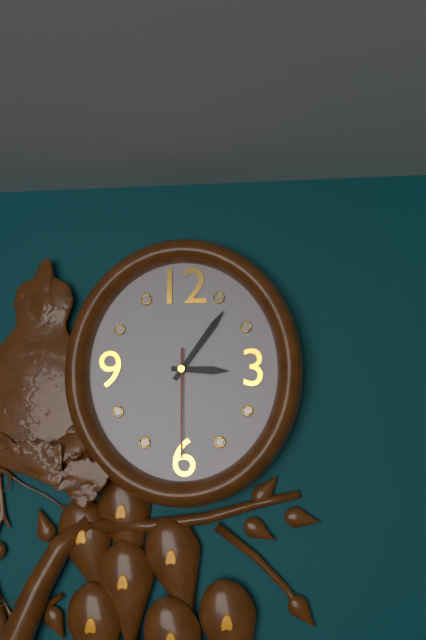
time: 3:06:30
